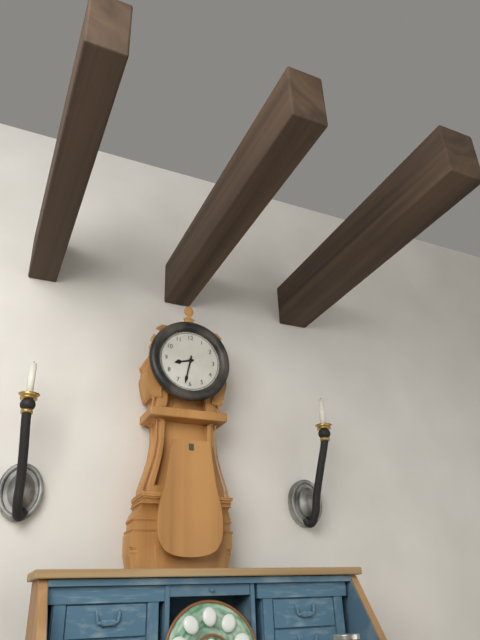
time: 8:32
